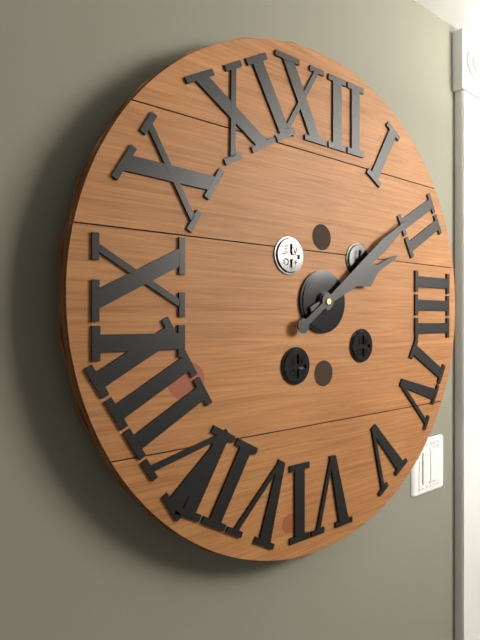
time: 2:09
